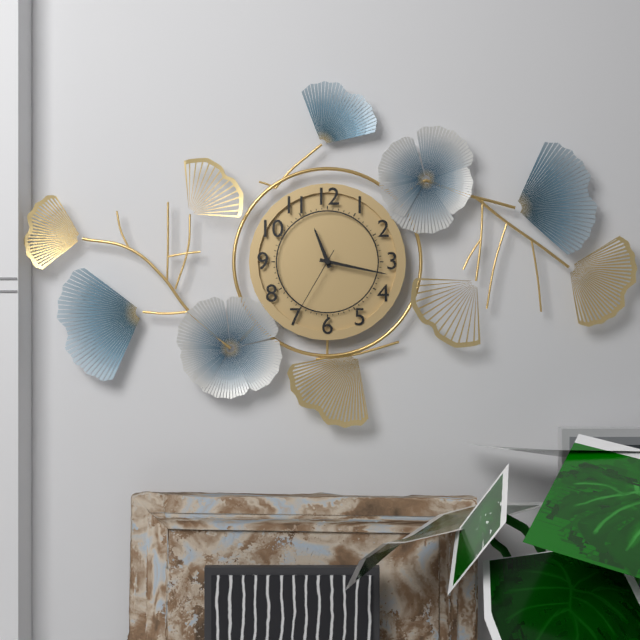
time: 11:17:35
